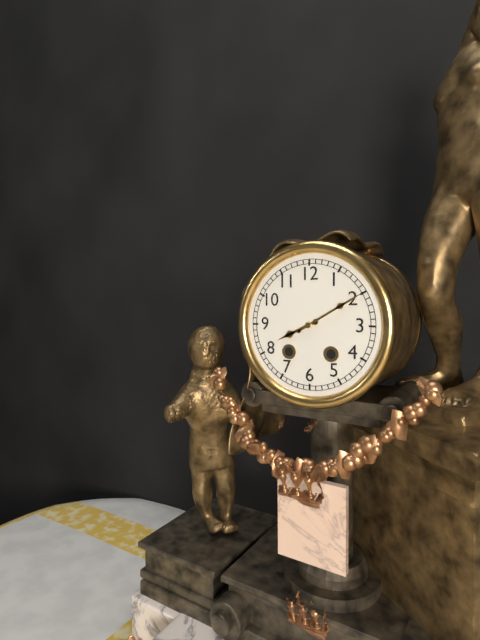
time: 8:10
